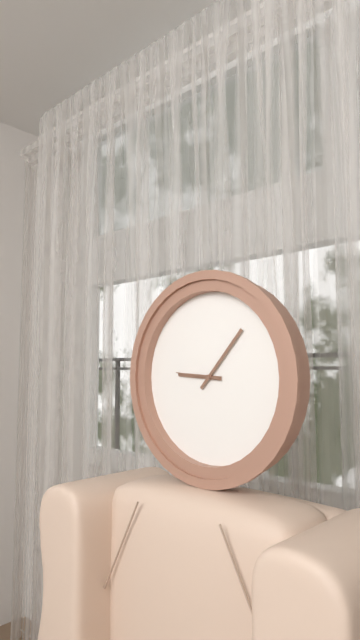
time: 9:07
